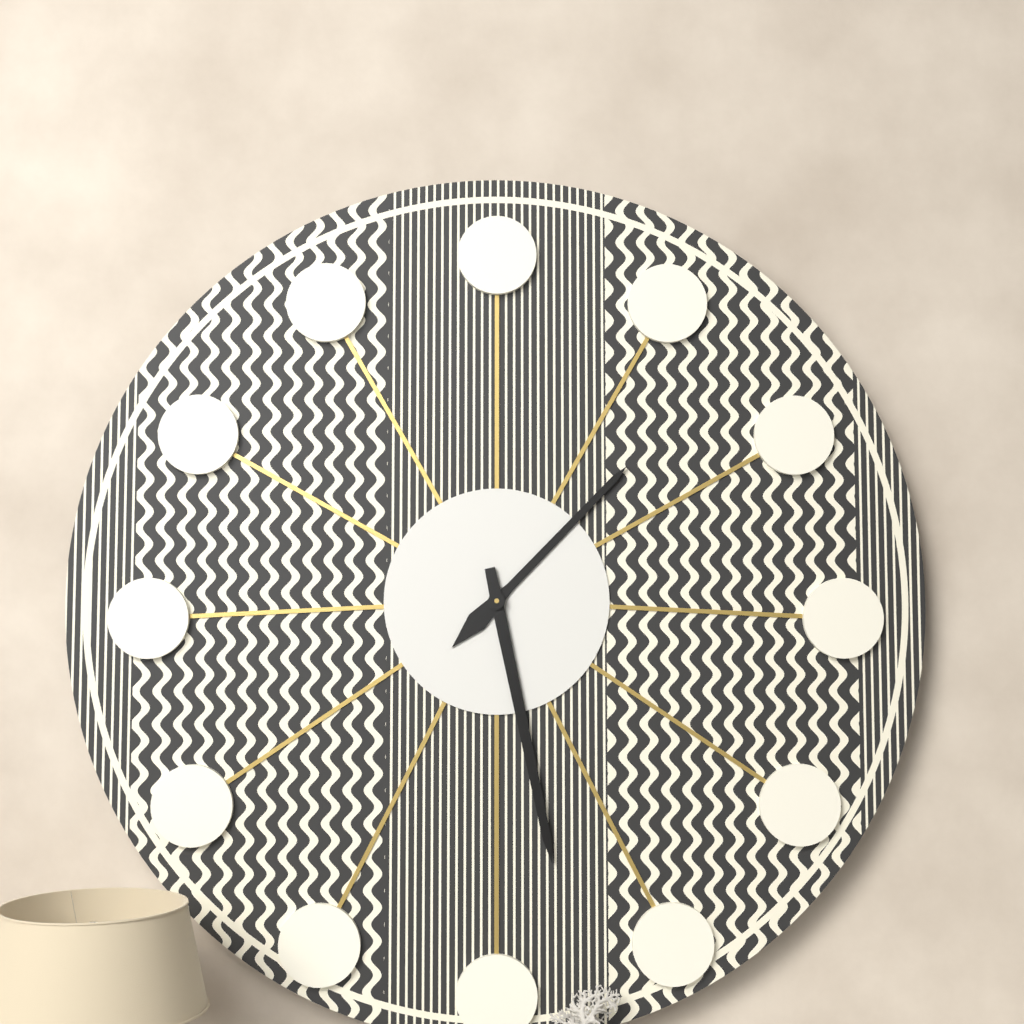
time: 1:28
